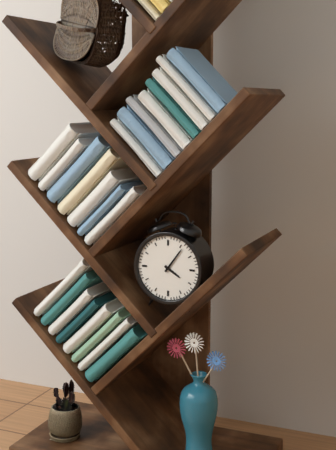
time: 4:06
